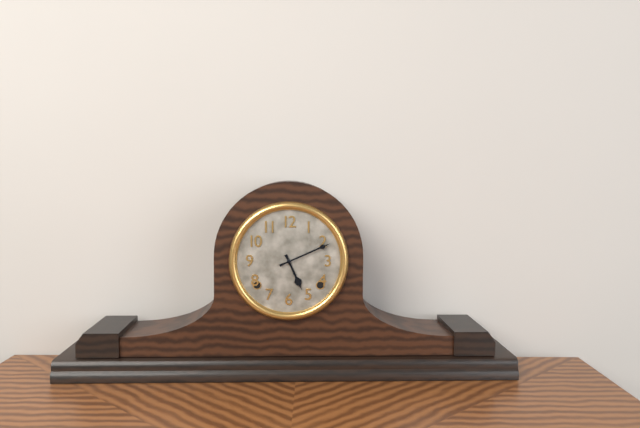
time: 5:11
